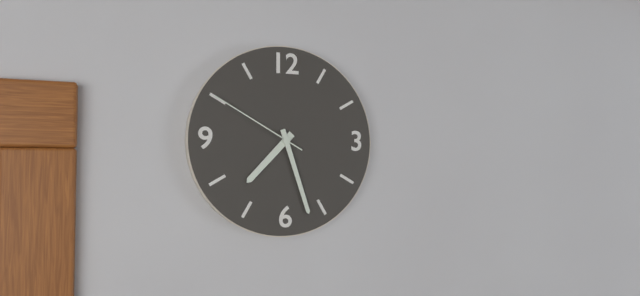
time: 7:27:50
